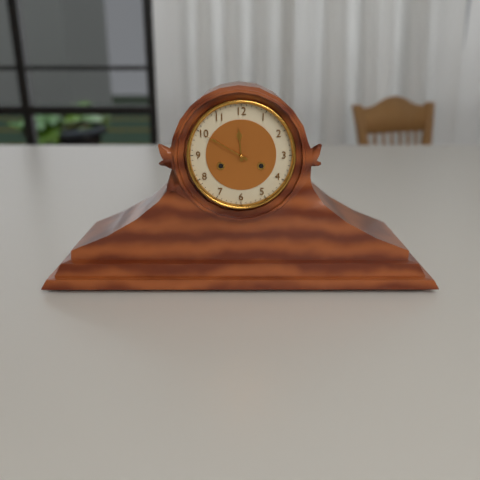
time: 11:50
